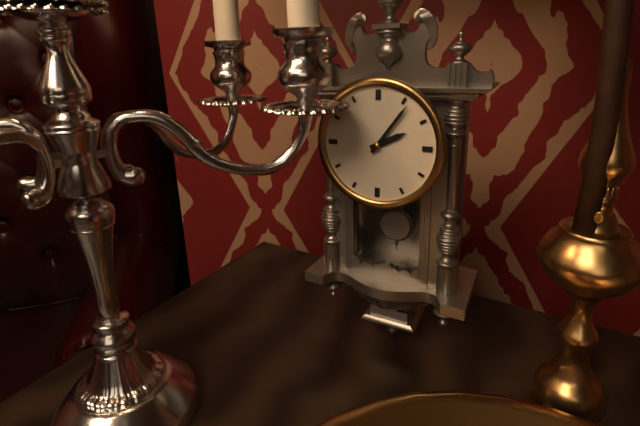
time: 2:06
